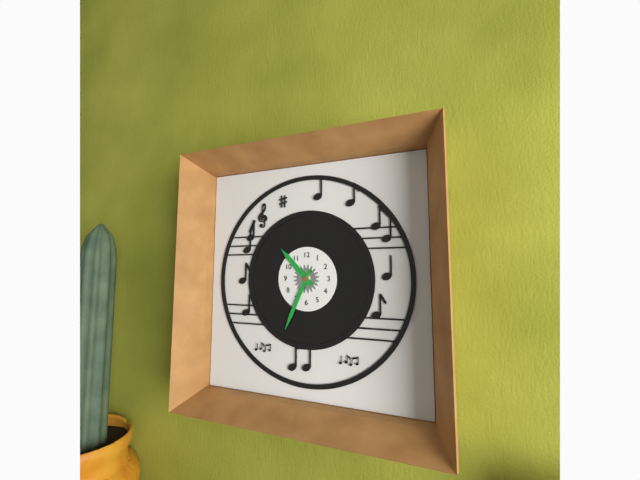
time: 10:34
